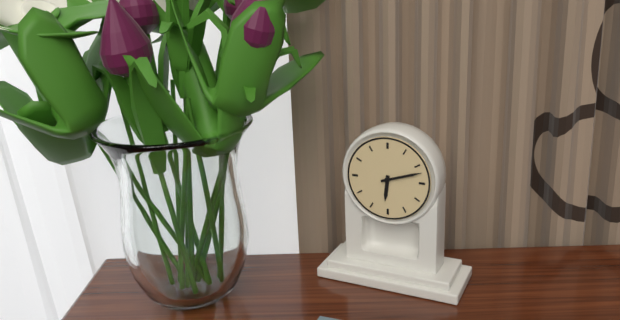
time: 6:12
